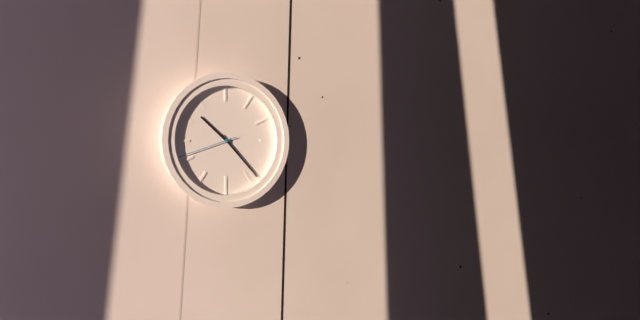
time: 10:23:42
